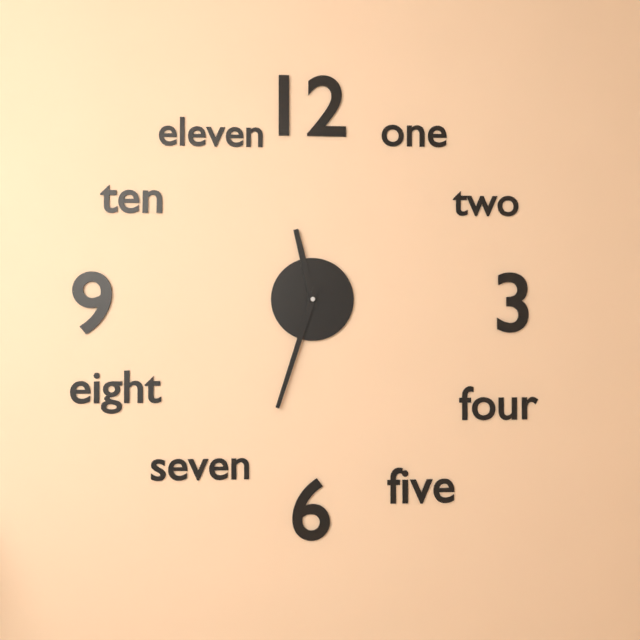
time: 11:33
